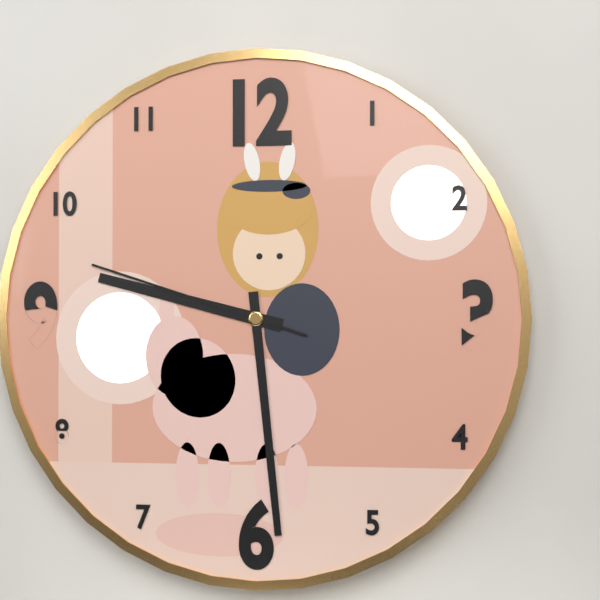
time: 9:29:48
